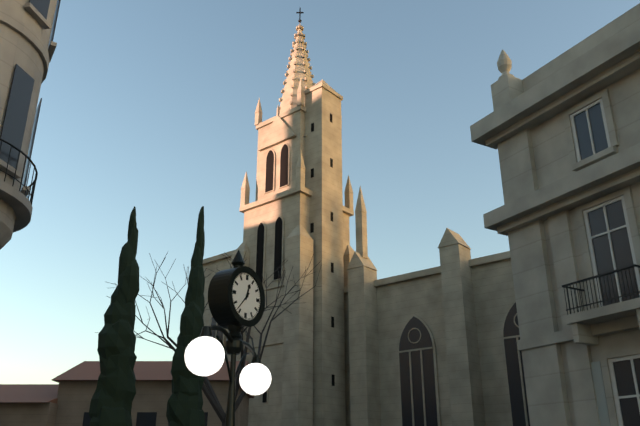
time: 12:37
